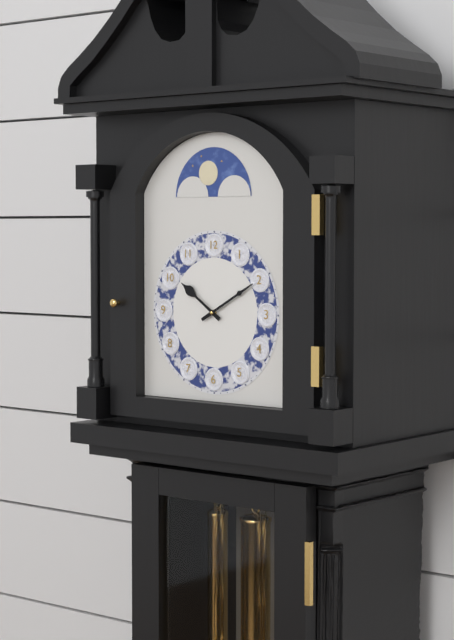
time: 10:10
